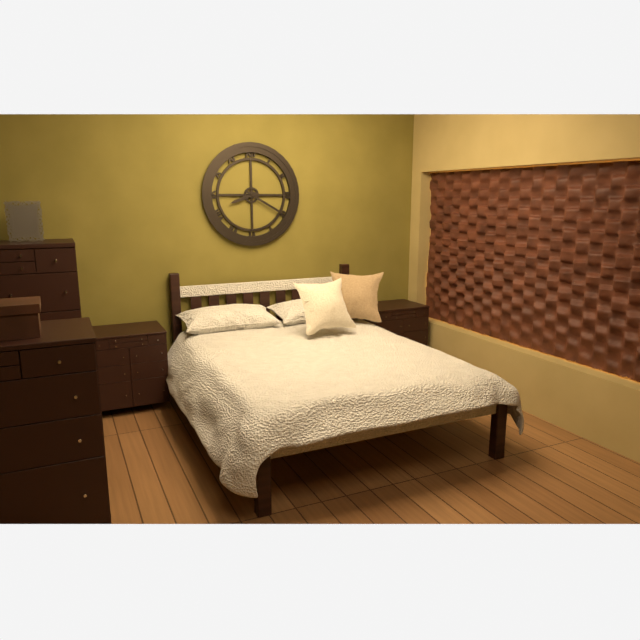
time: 8:20
